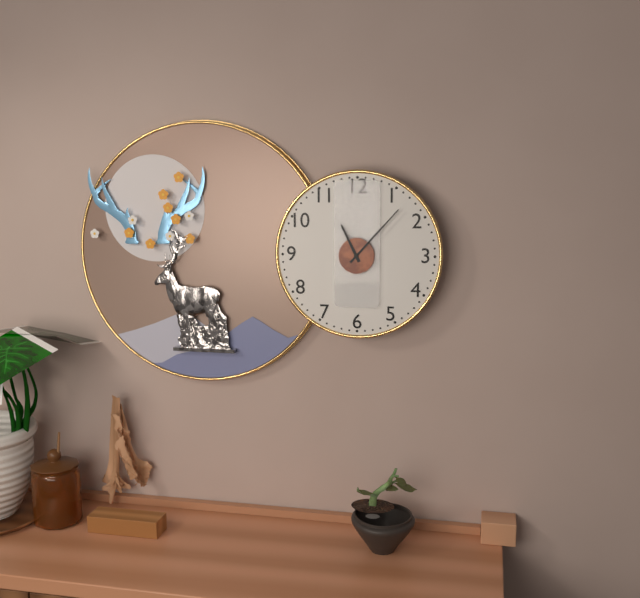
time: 11:07
